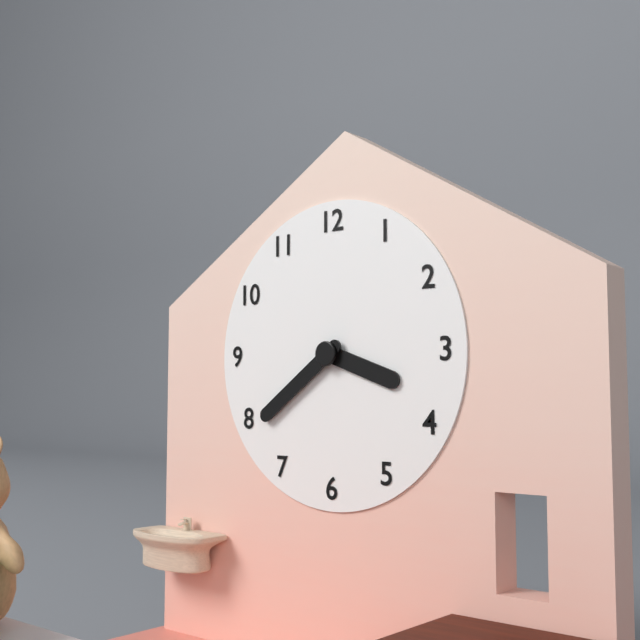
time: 3:39
